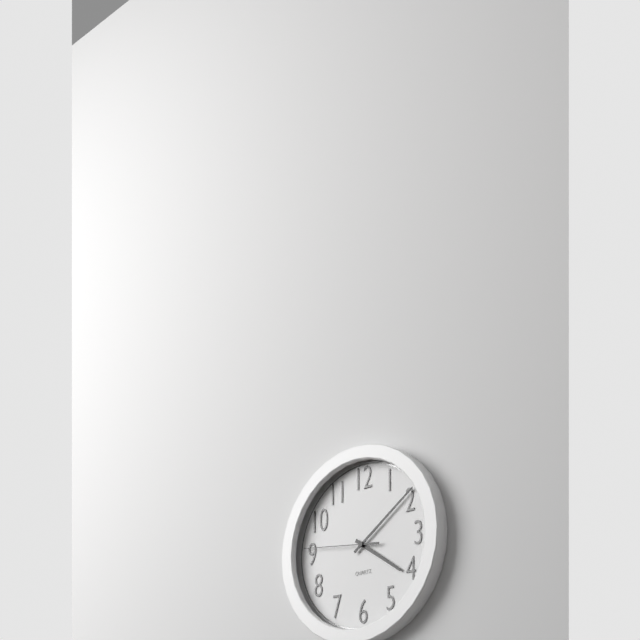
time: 4:09:46
